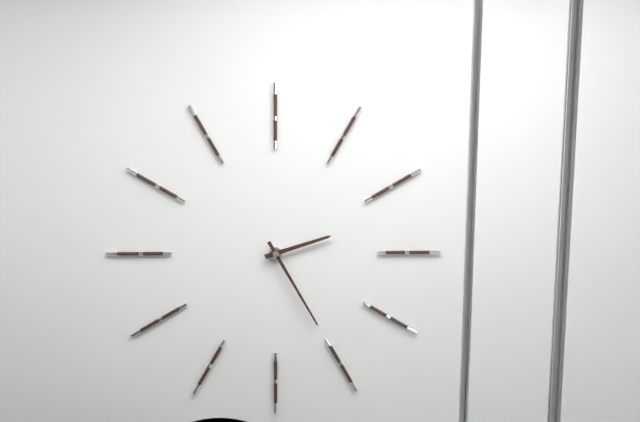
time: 2:25
